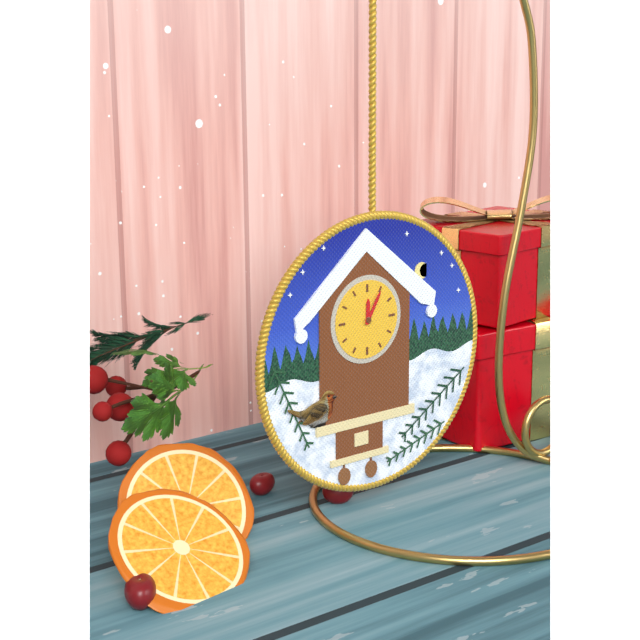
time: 12:05
